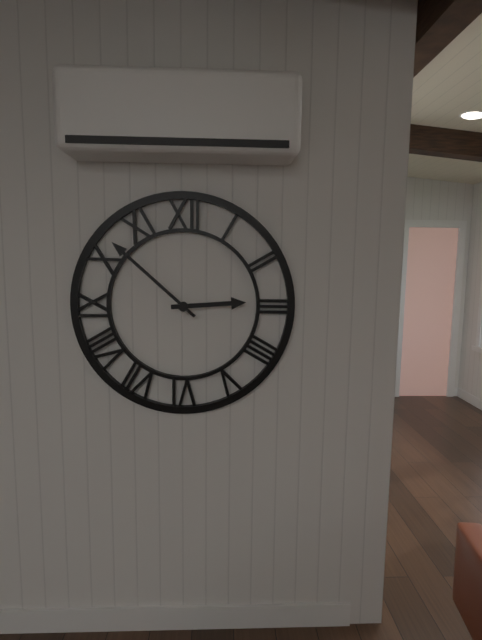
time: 2:52
